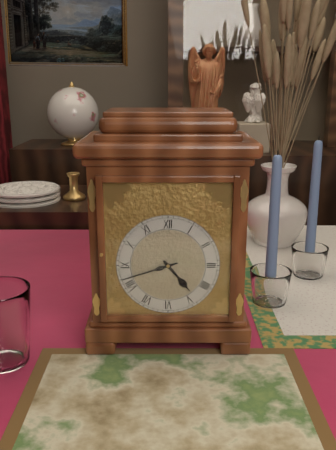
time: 4:42
